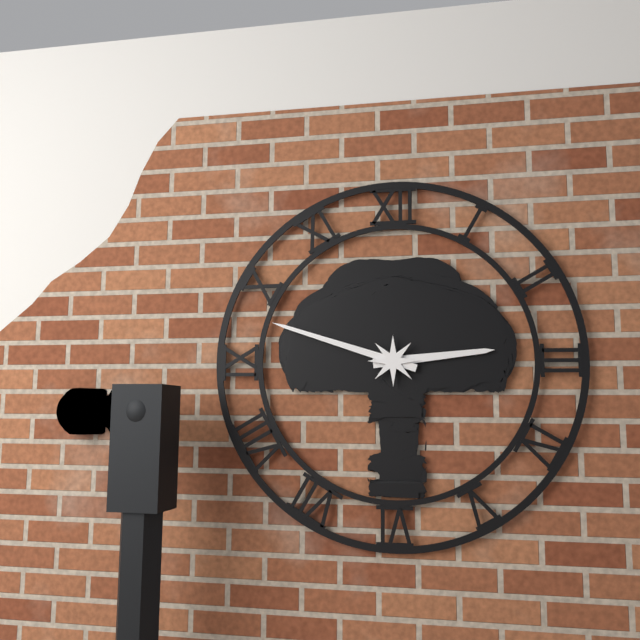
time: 2:48
